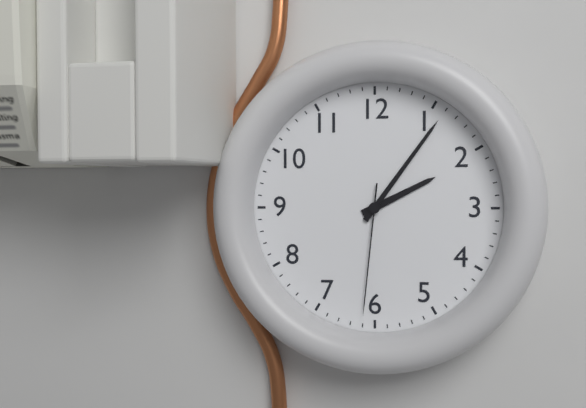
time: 2:06:31
